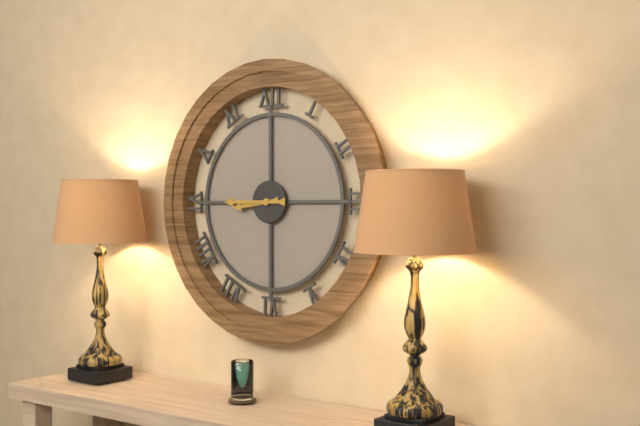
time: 8:45
